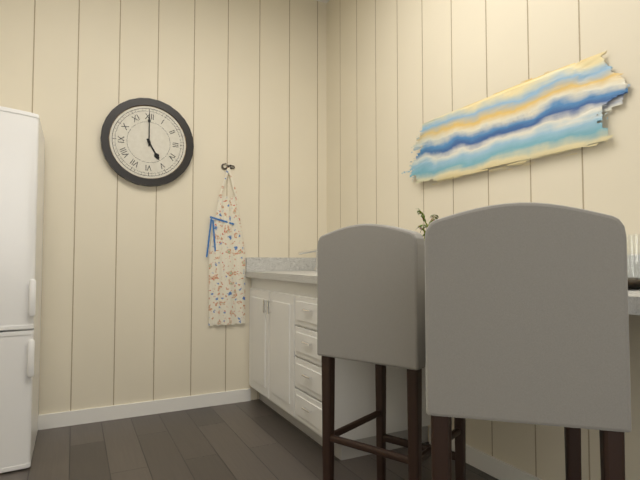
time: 5:00
